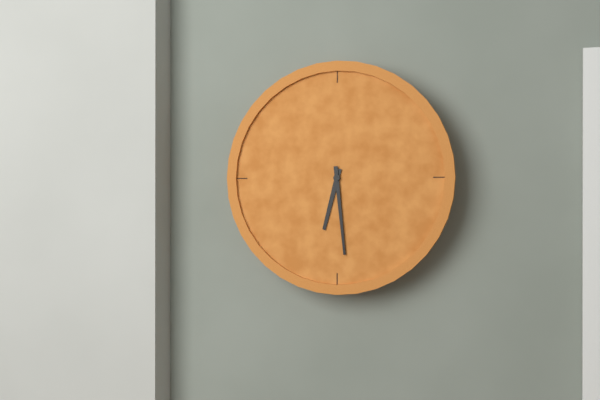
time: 6:29
